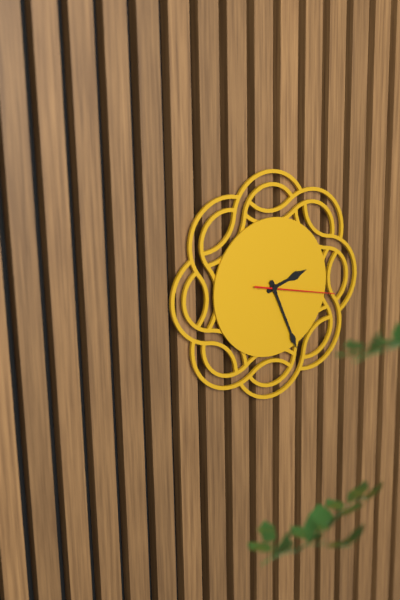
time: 2:26:17
